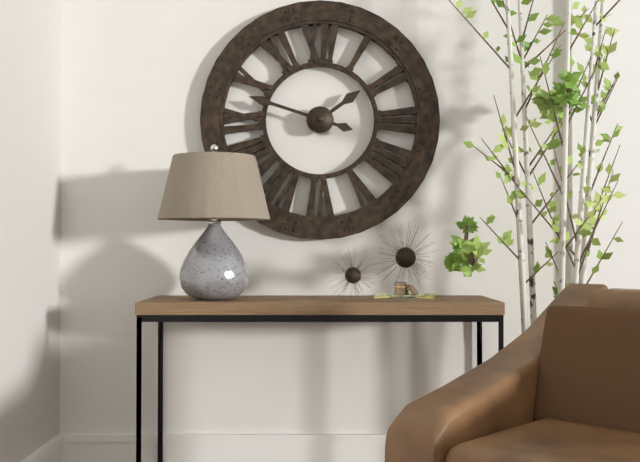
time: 1:48
